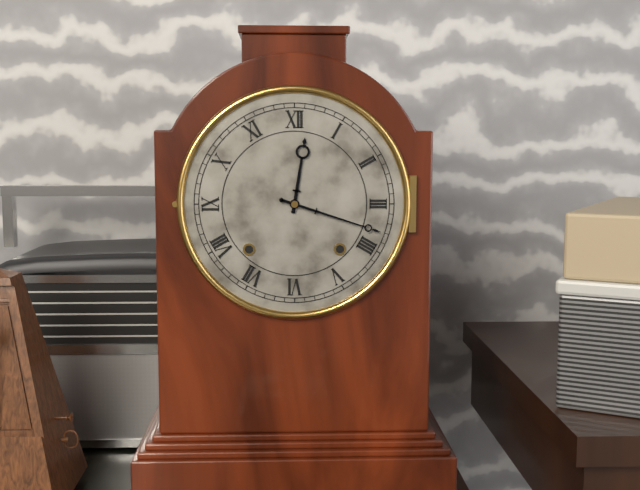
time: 12:18
